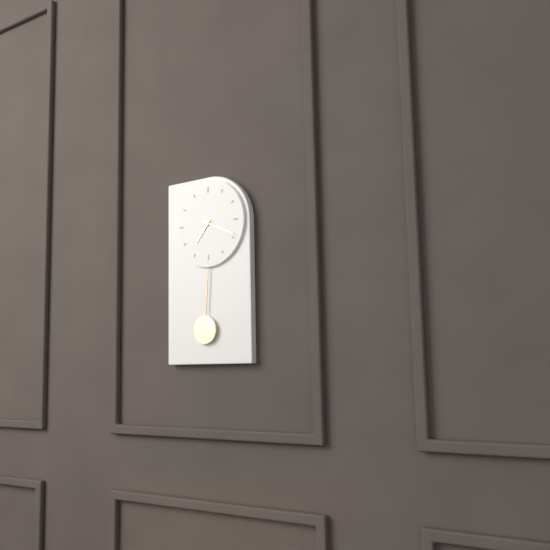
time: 7:19
